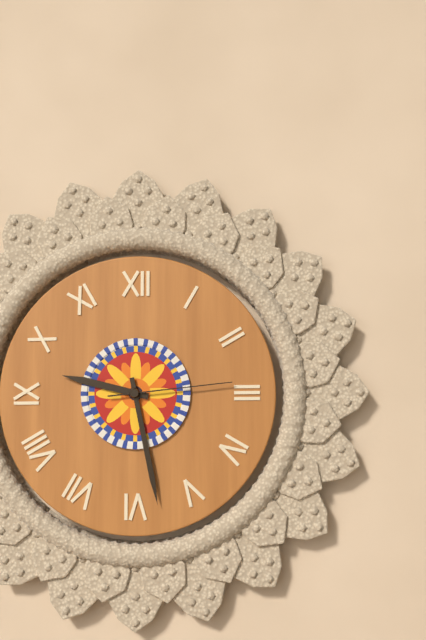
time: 9:28:14
